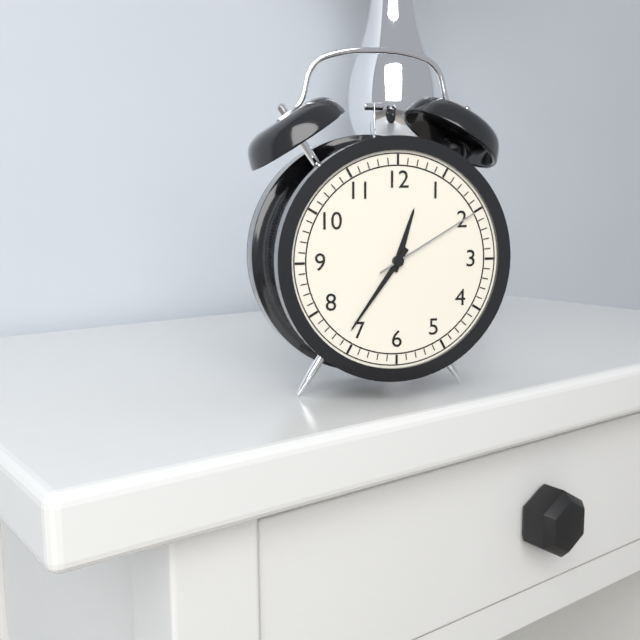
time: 12:36:10
